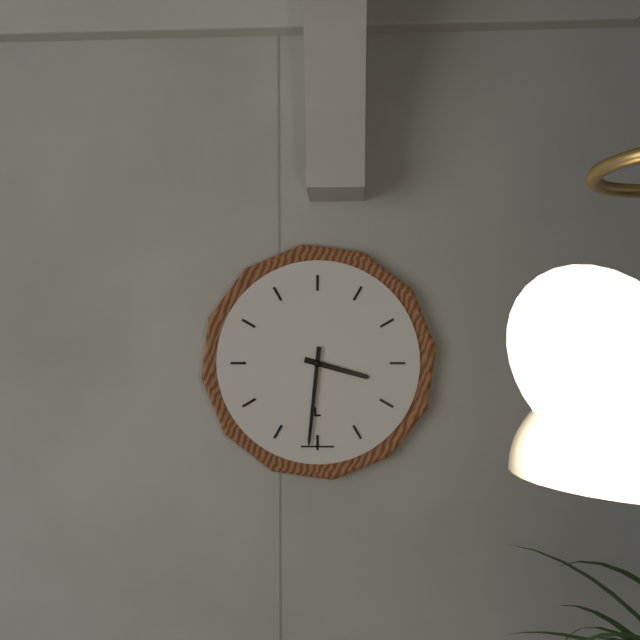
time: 3:31
